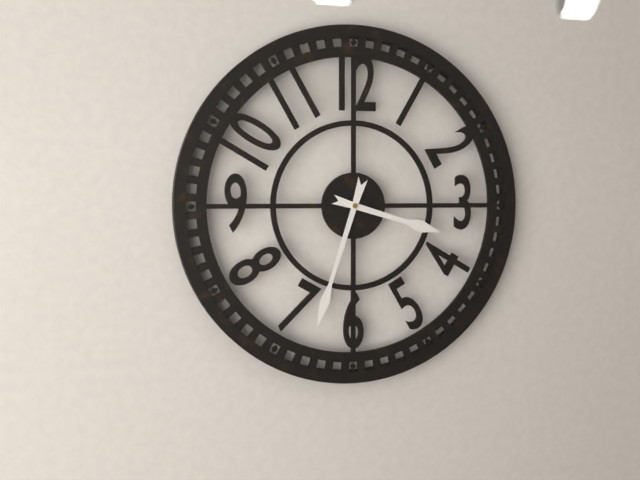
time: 3:33
